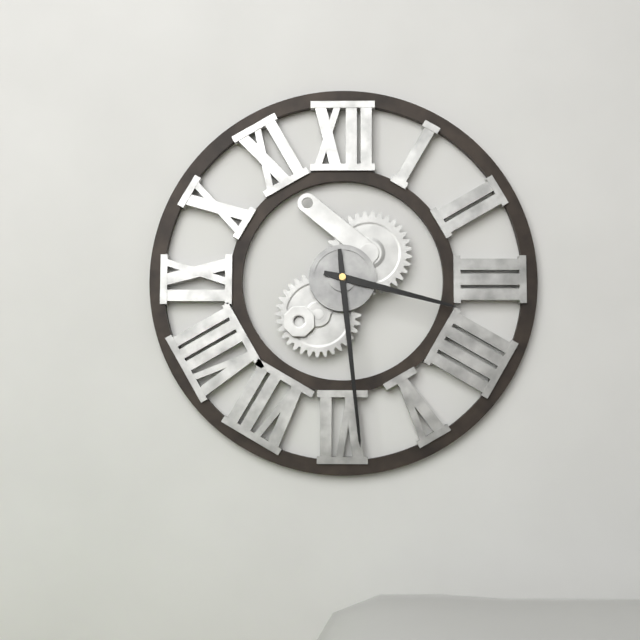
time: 3:29
